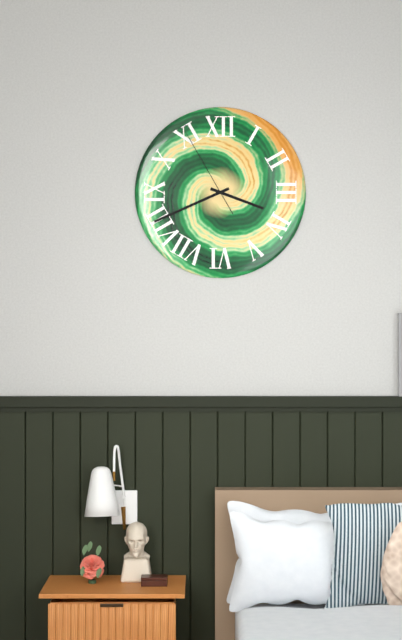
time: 3:41:55
